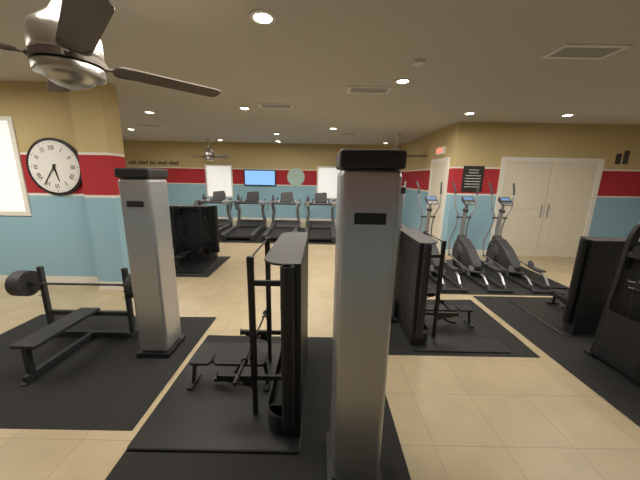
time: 5:36
